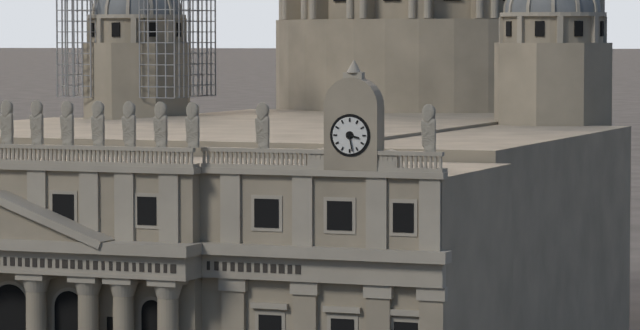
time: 3:28
